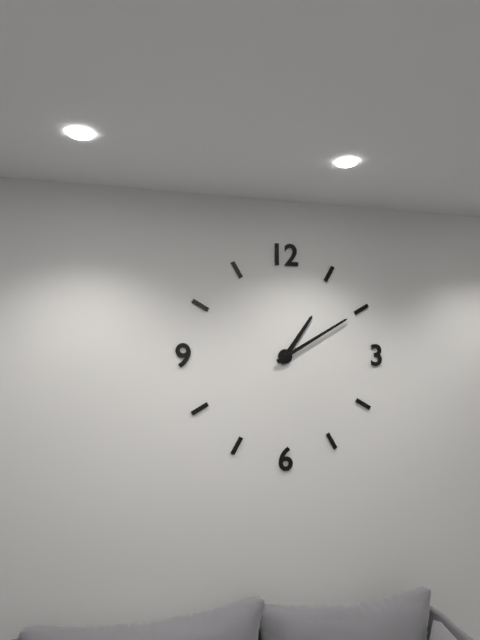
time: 1:10
